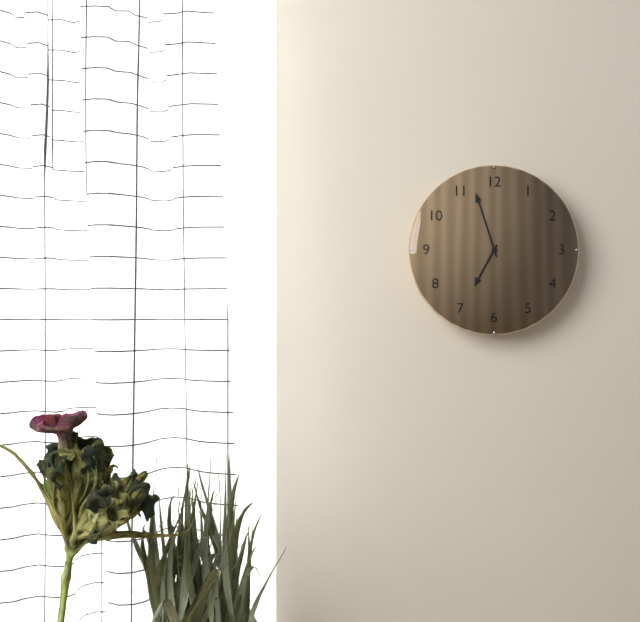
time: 6:57
